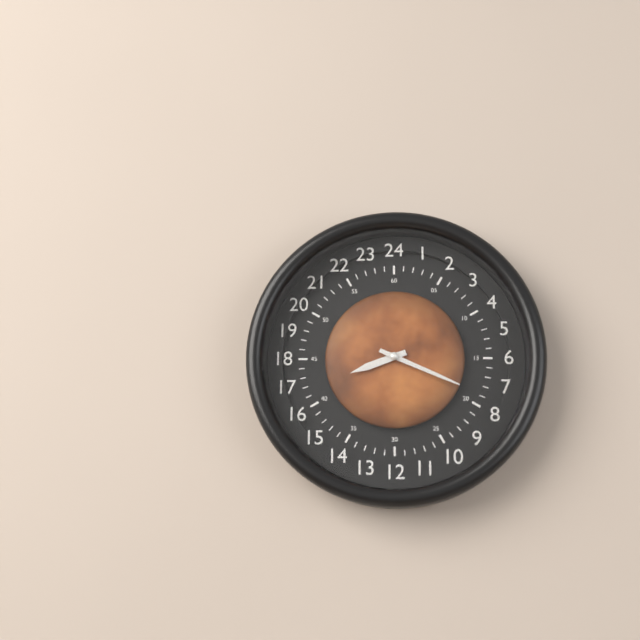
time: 8:19
